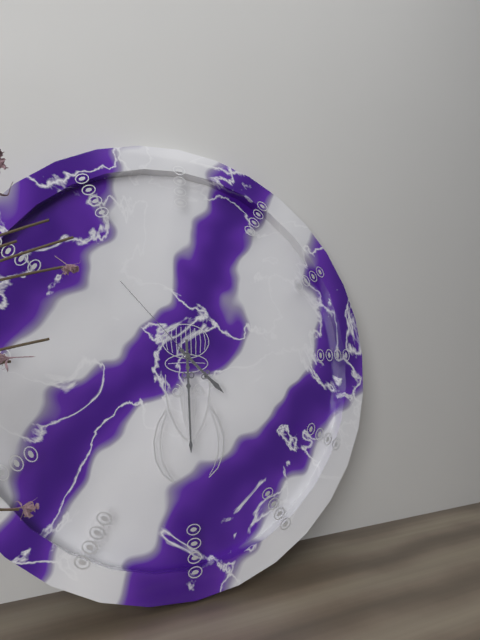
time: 4:30:53
